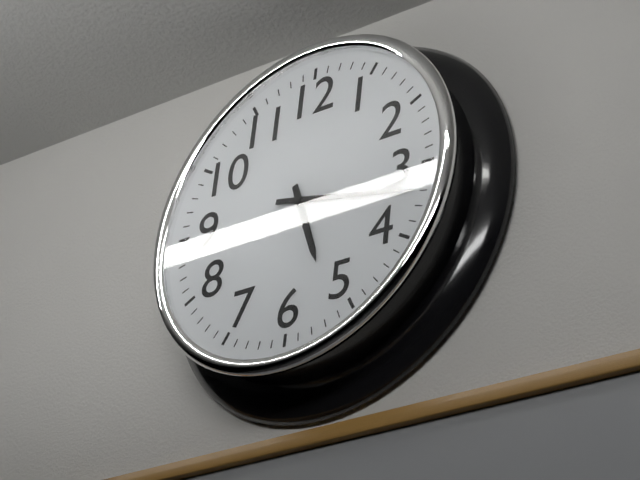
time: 5:17
